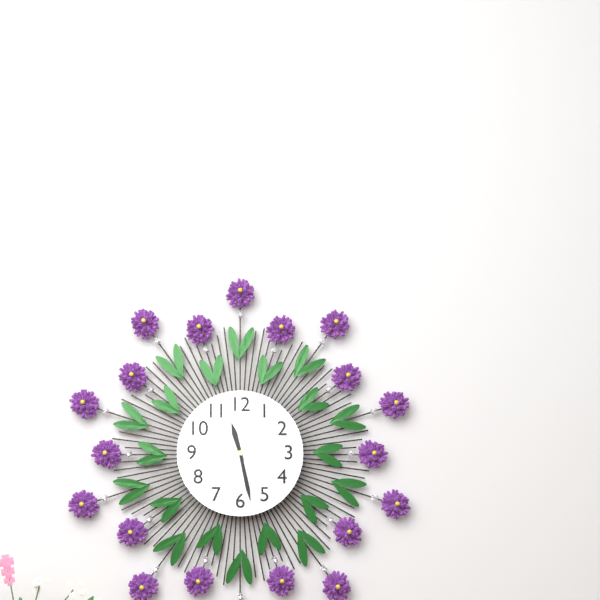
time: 11:28
